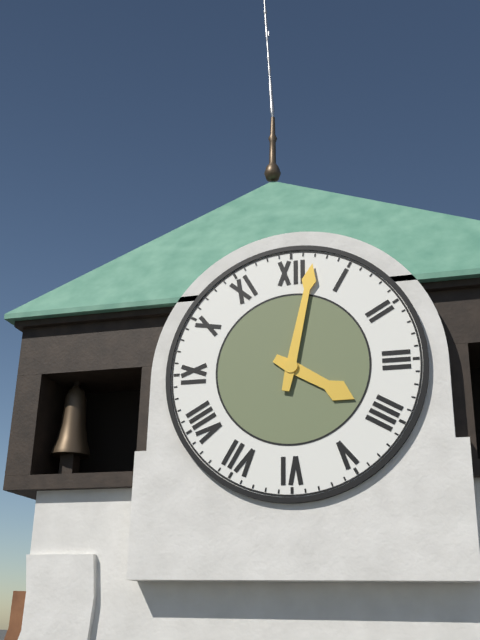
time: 4:02
